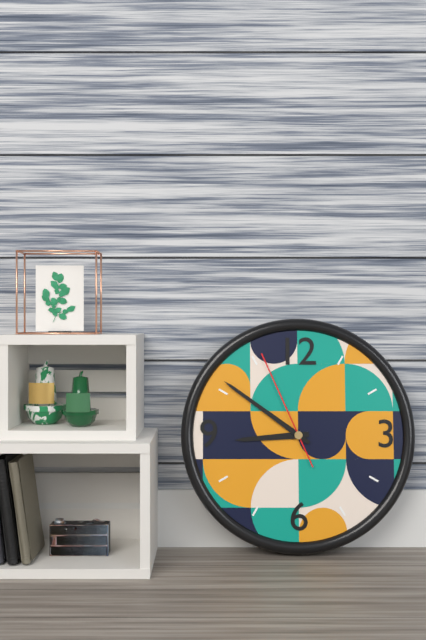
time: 8:51:56
